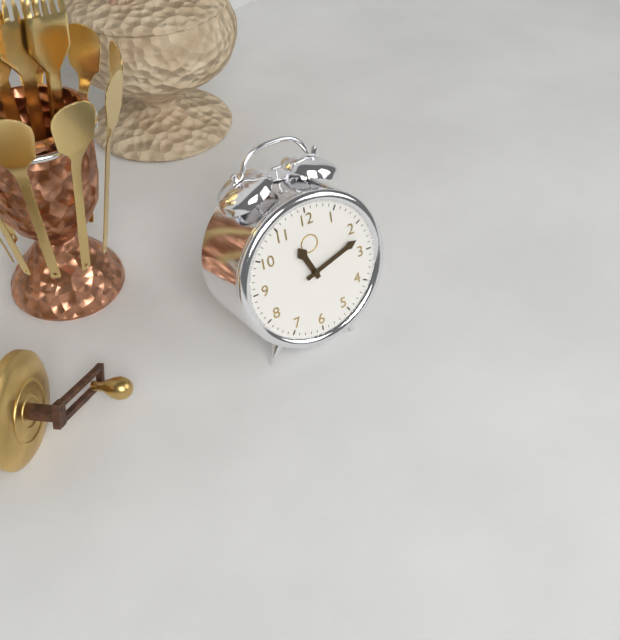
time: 11:12
